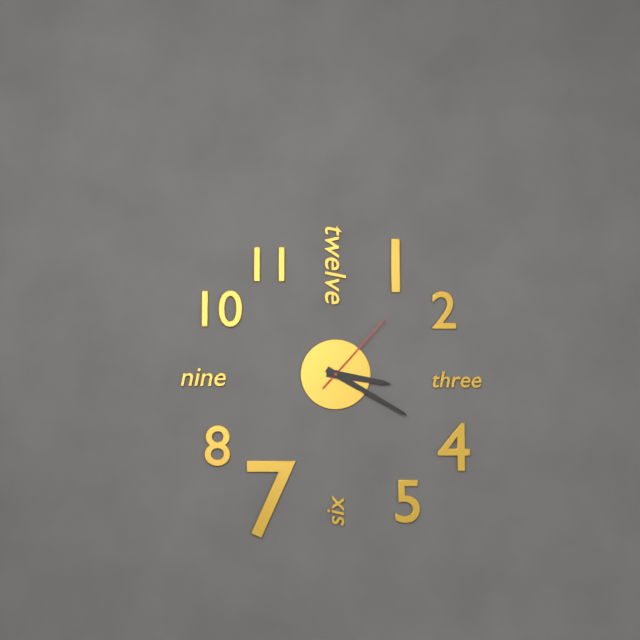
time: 3:20:07
